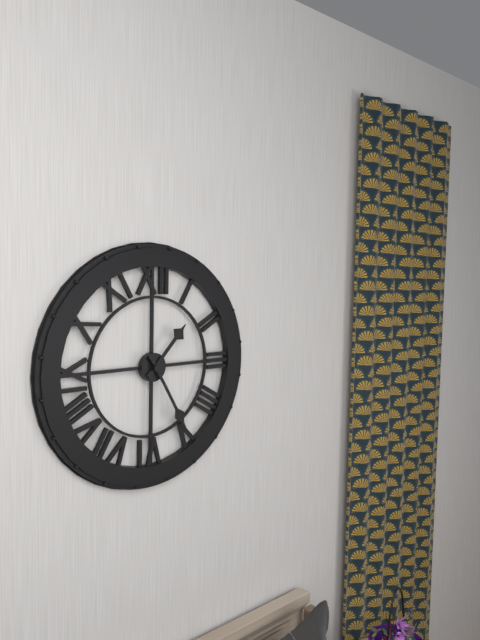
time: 1:25
